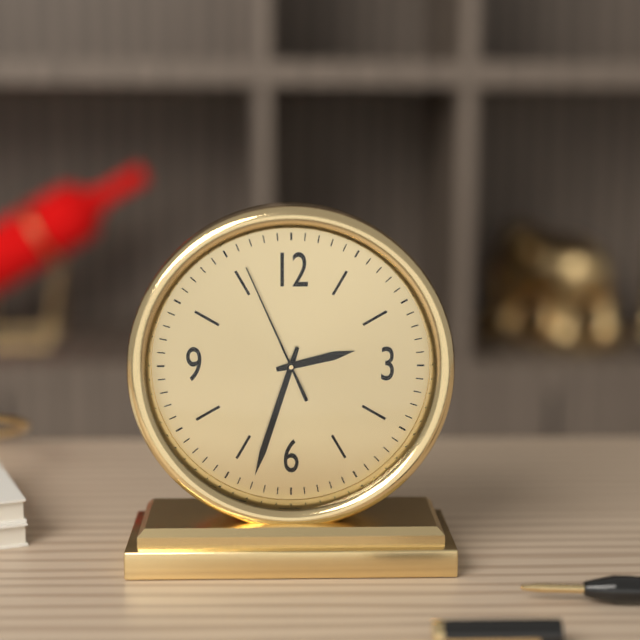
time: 2:33:56
